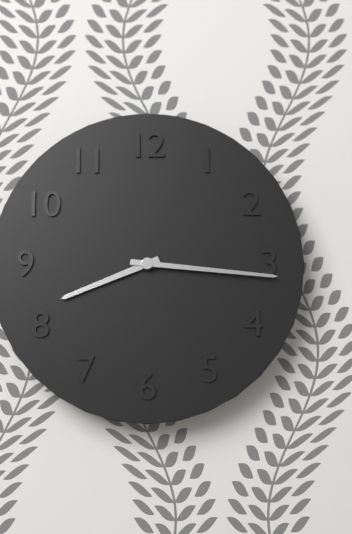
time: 8:16
